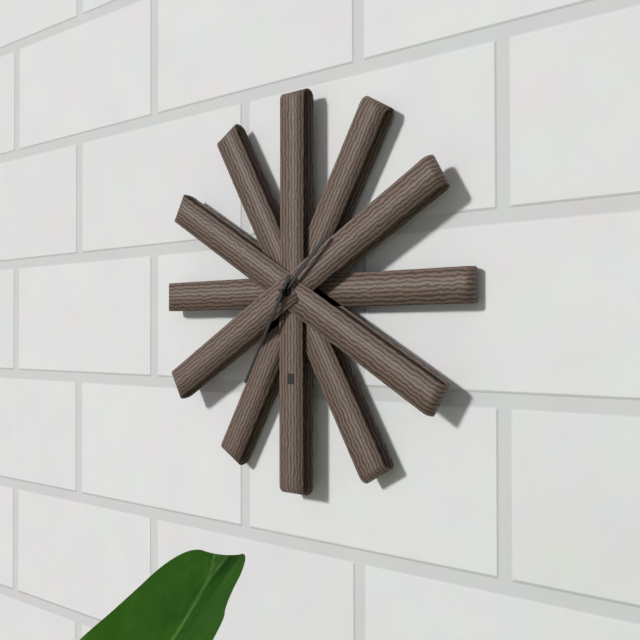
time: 1:35
